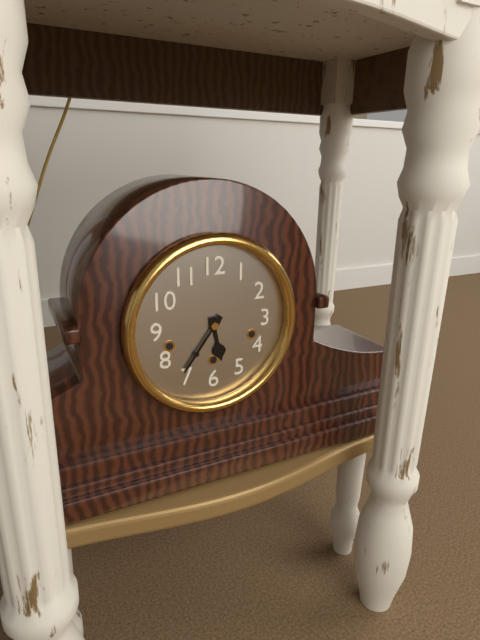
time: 5:36
